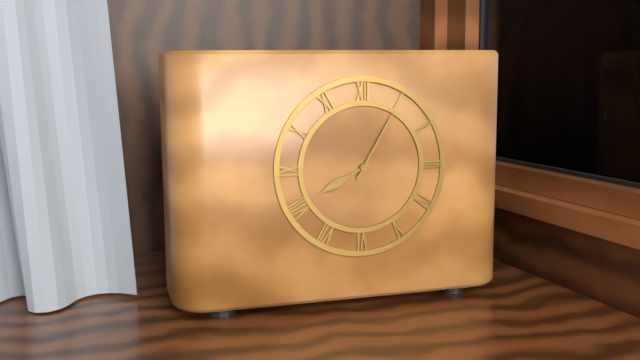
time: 8:05
